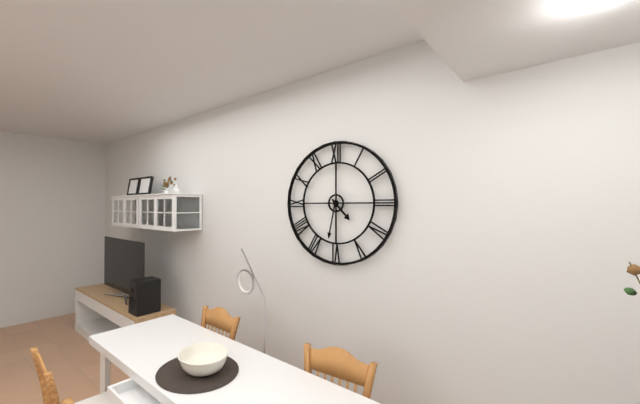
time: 4:32
